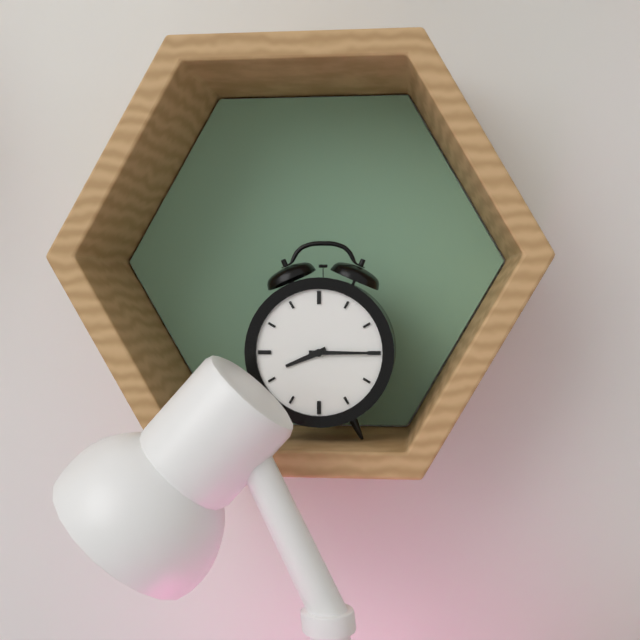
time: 8:15
